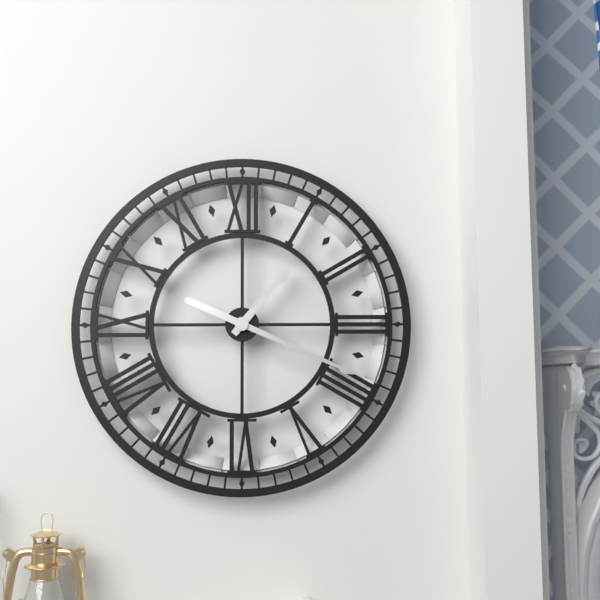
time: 1:19
